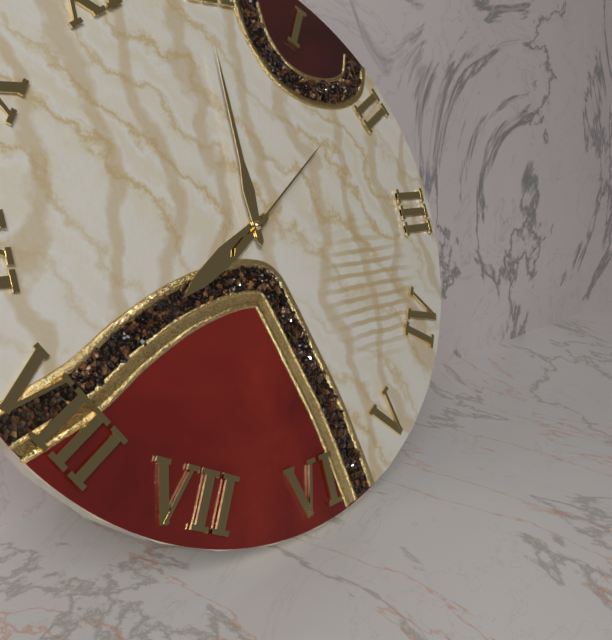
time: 8:00:09
